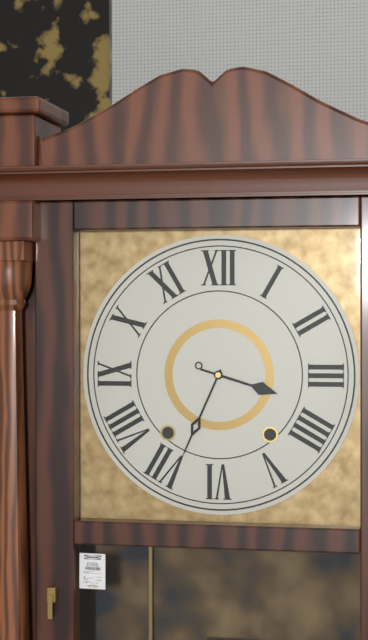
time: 3:34
